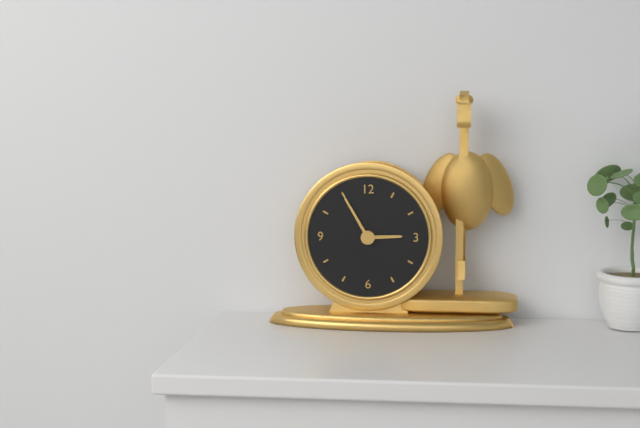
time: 2:55
